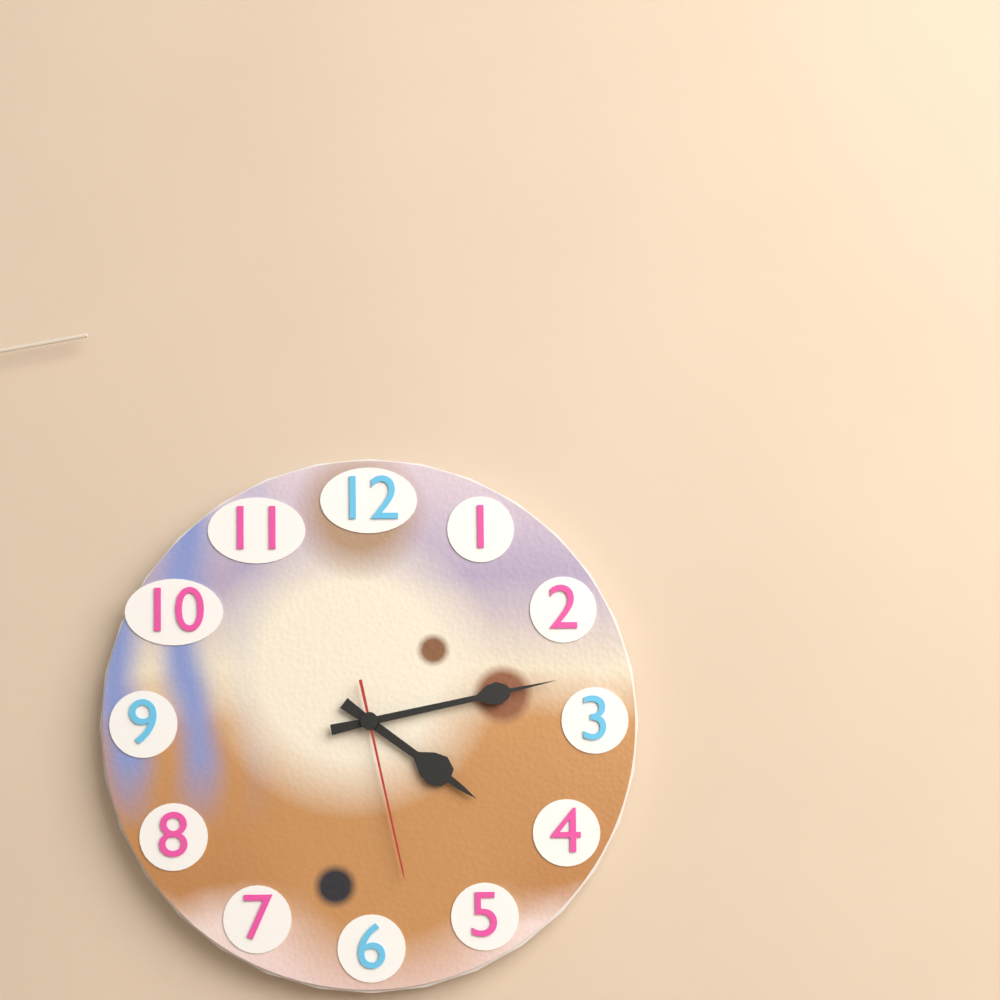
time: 4:13:28
